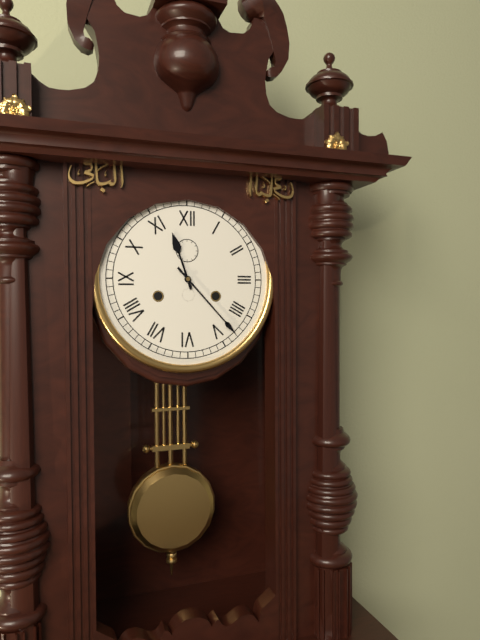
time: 11:23
